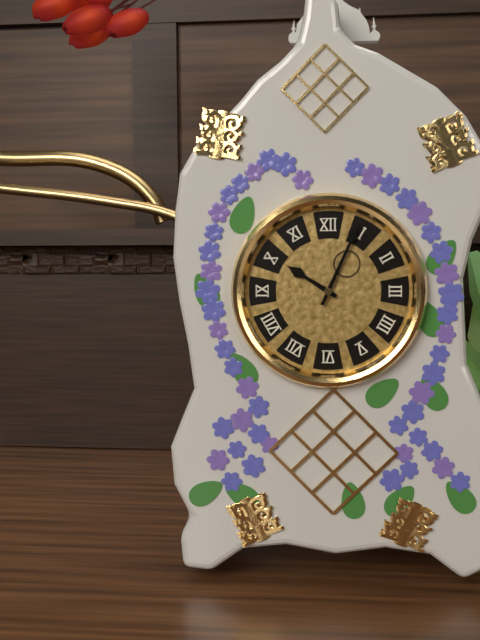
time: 10:04
